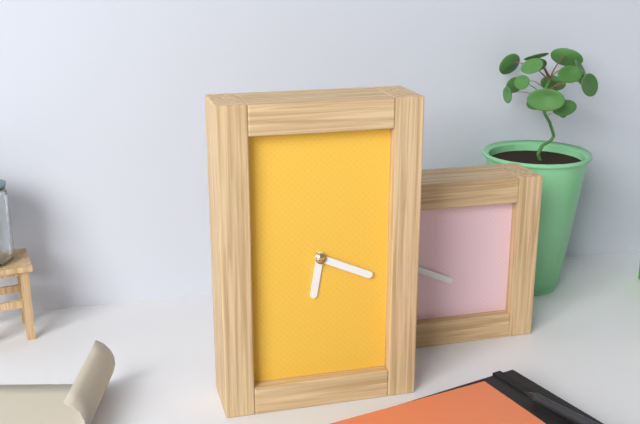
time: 6:19
